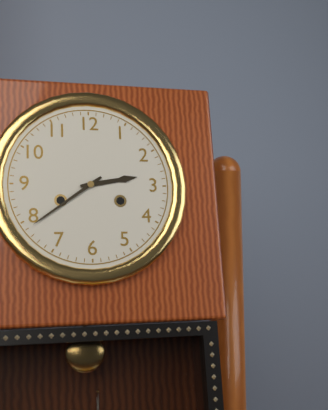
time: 2:39
